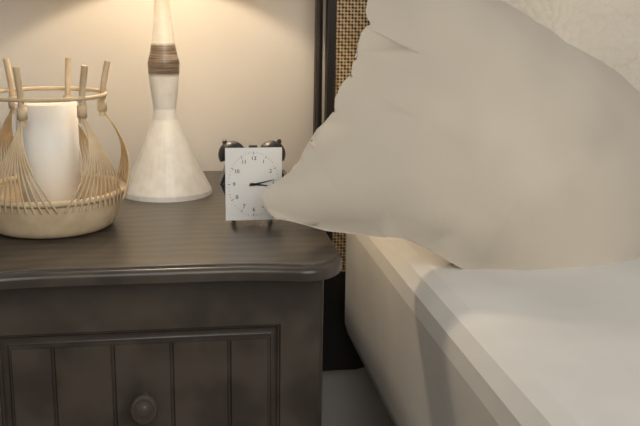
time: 3:13
